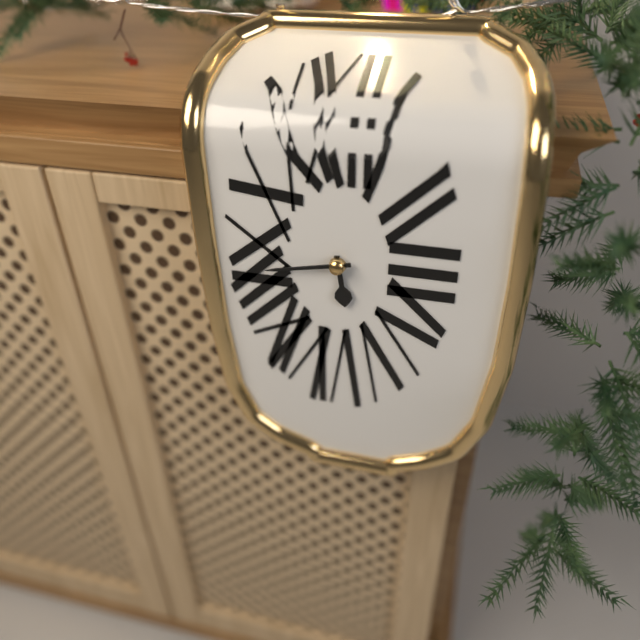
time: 5:43
